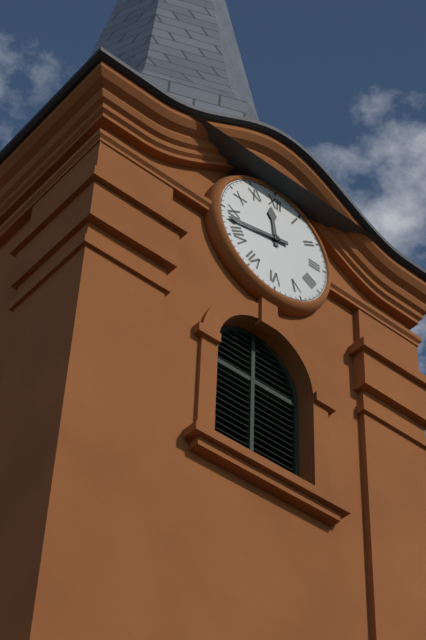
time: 11:43
